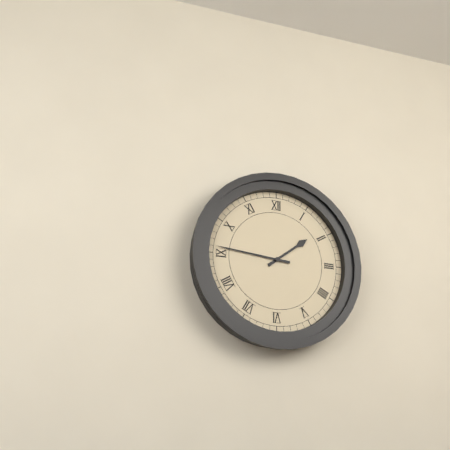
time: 1:46
